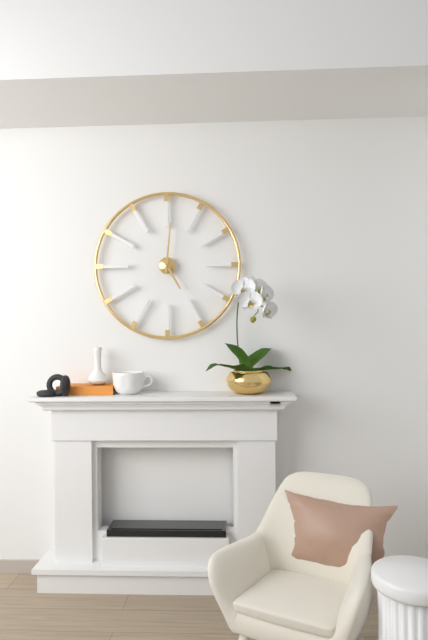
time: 5:01
